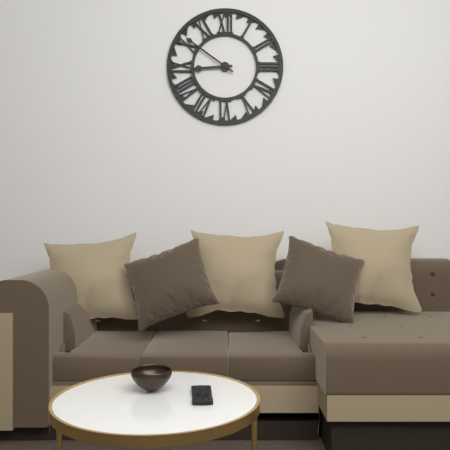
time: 8:51
